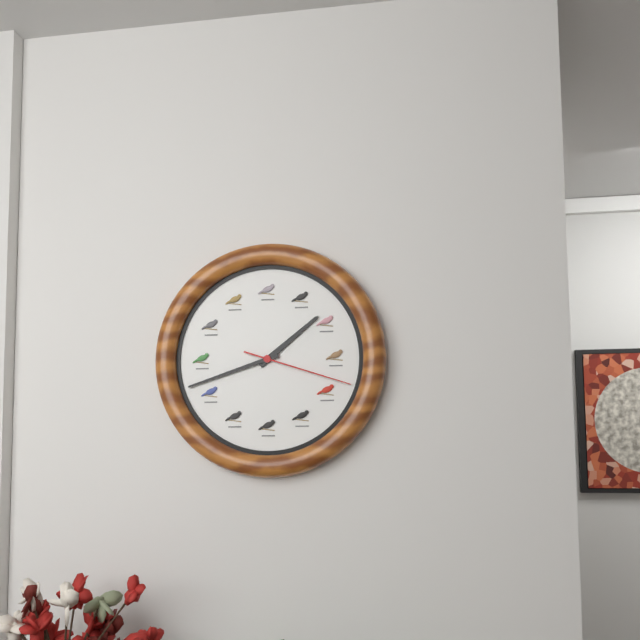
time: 1:42:18
